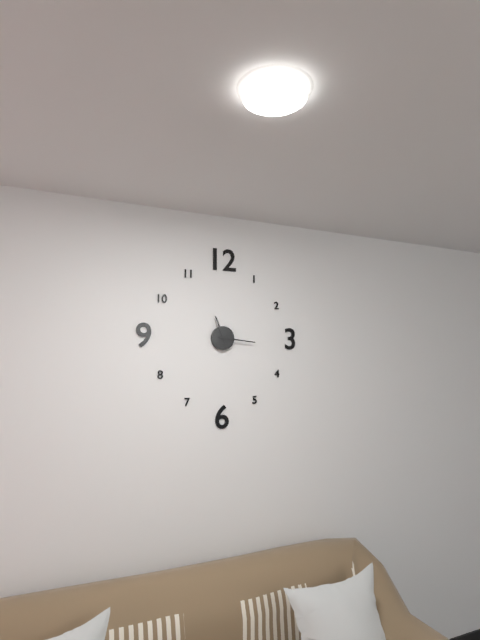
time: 11:16
